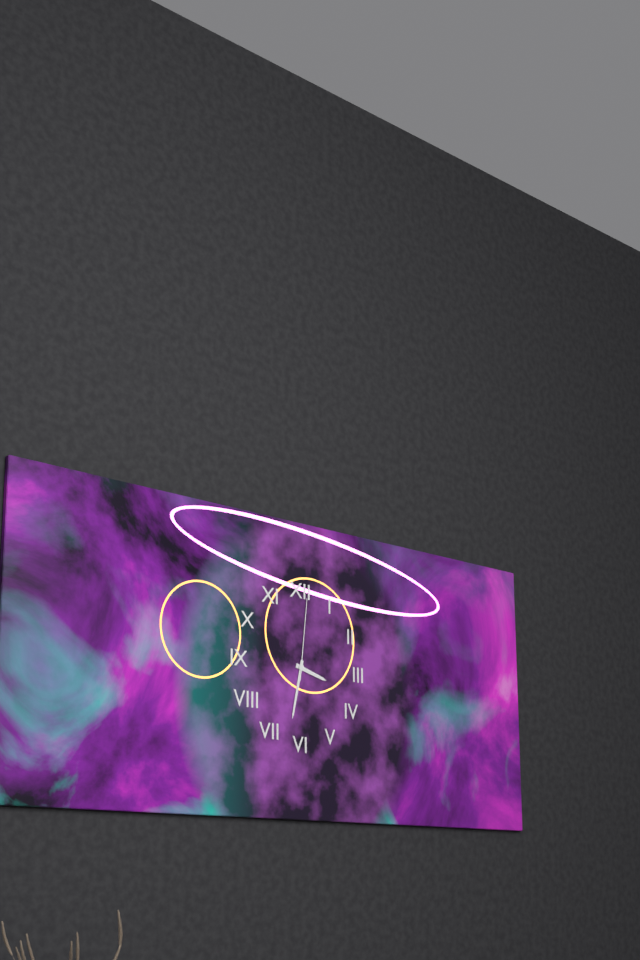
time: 3:32:01
